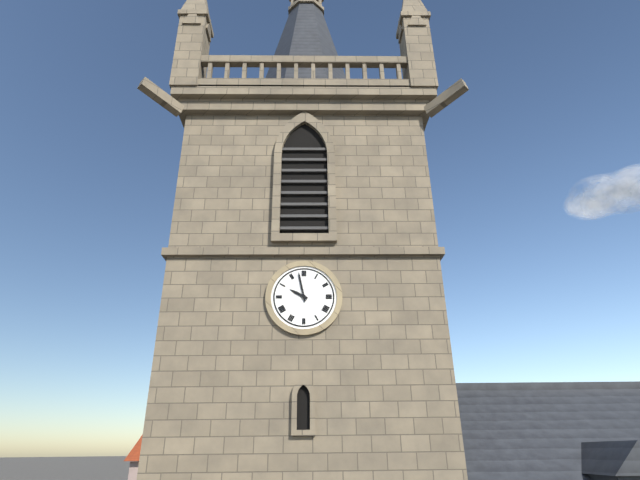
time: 9:58
